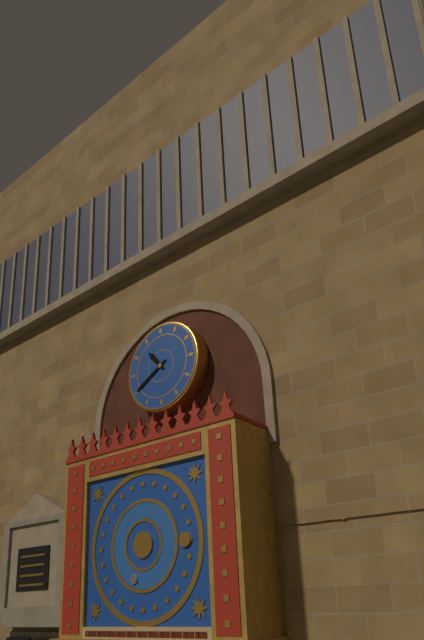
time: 10:40
